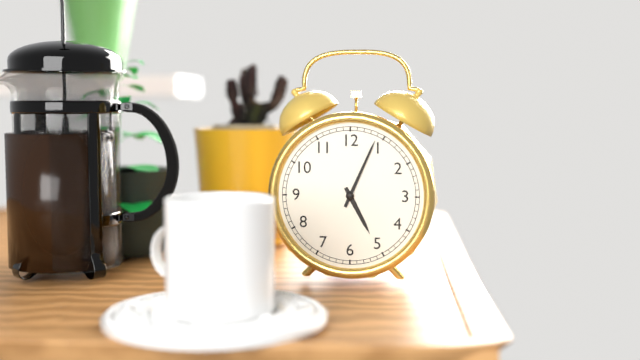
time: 5:04
